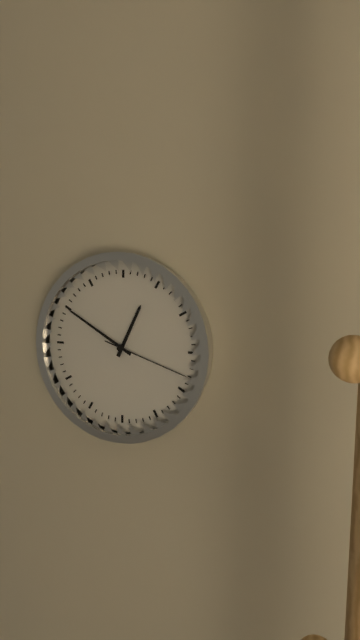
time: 12:50:18
